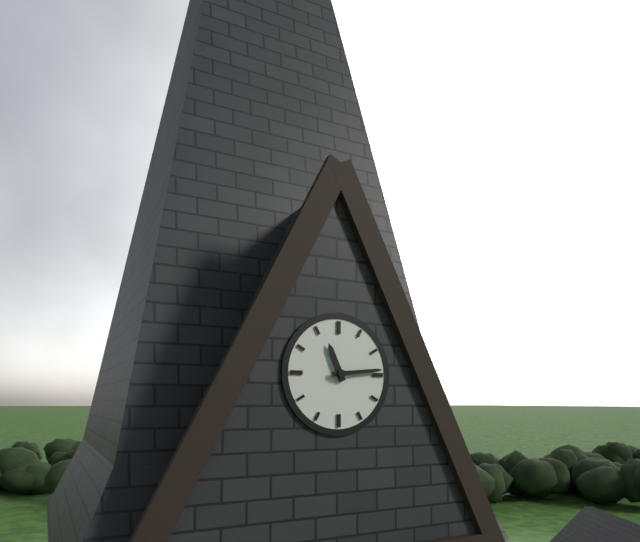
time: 11:14
